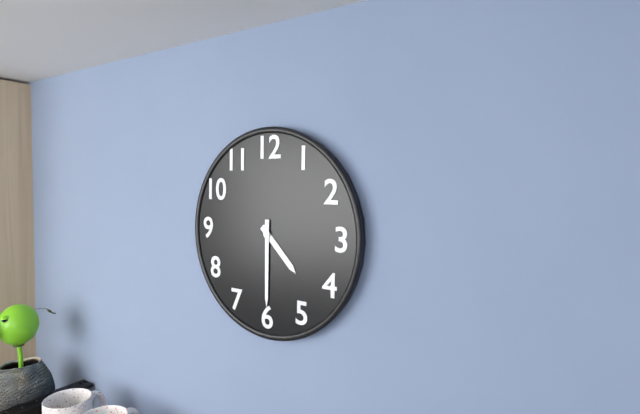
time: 4:30
